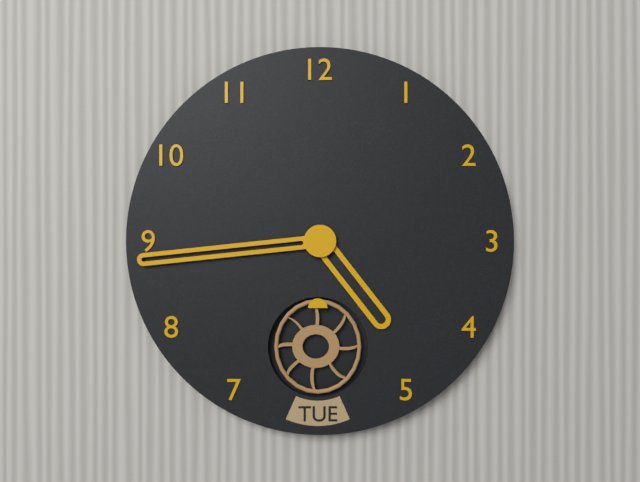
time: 4:44
